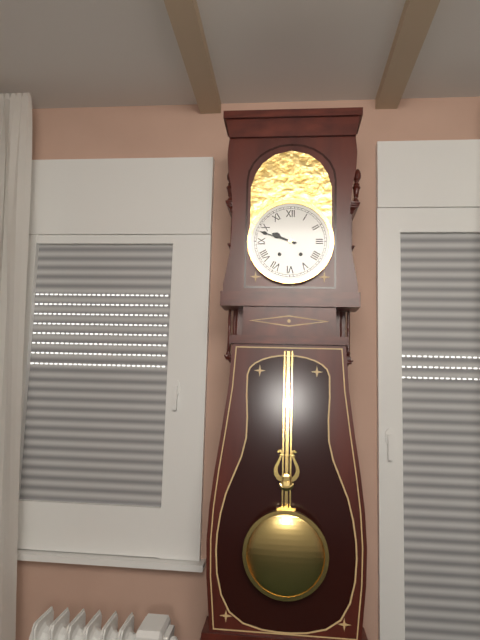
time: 9:48
